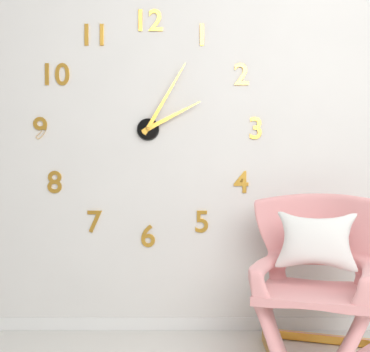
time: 2:05
